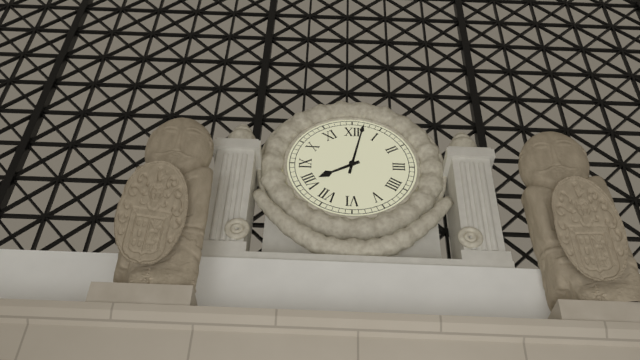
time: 8:02
